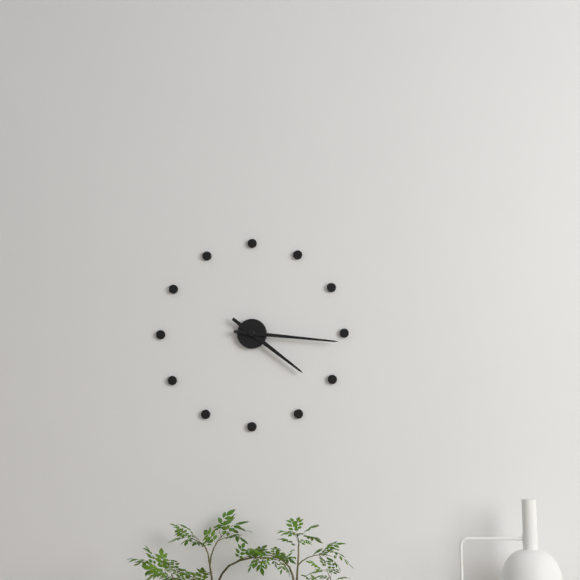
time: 4:16
